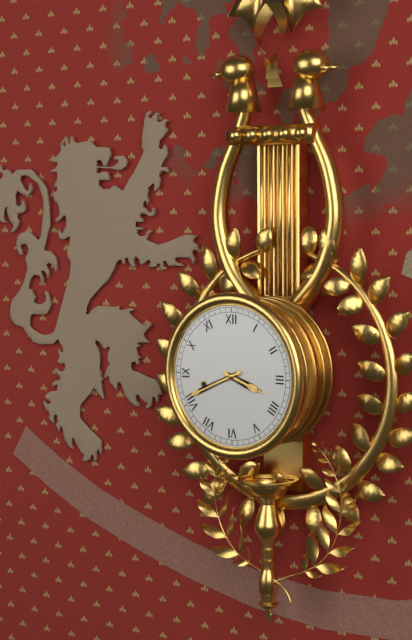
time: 3:41
